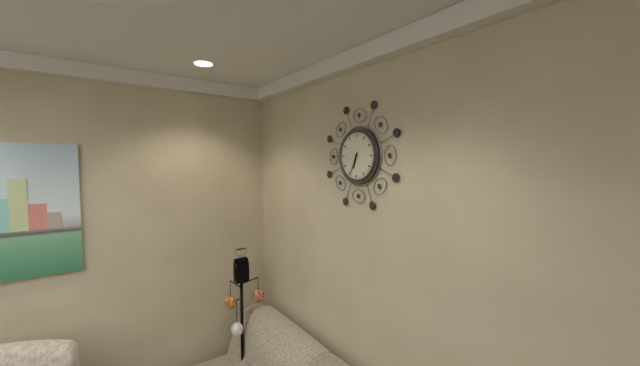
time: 6:34
